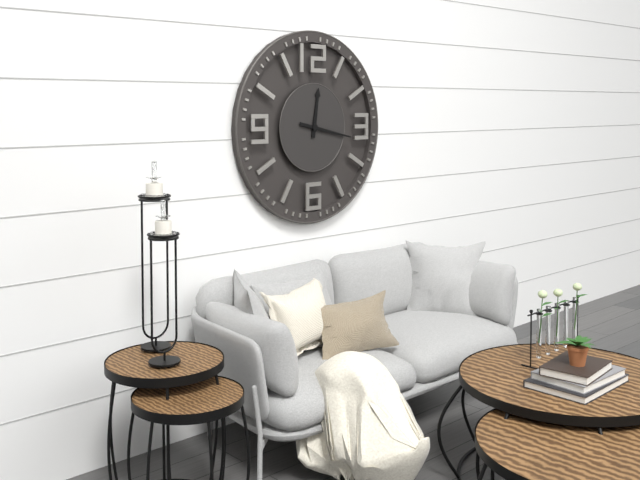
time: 12:17
